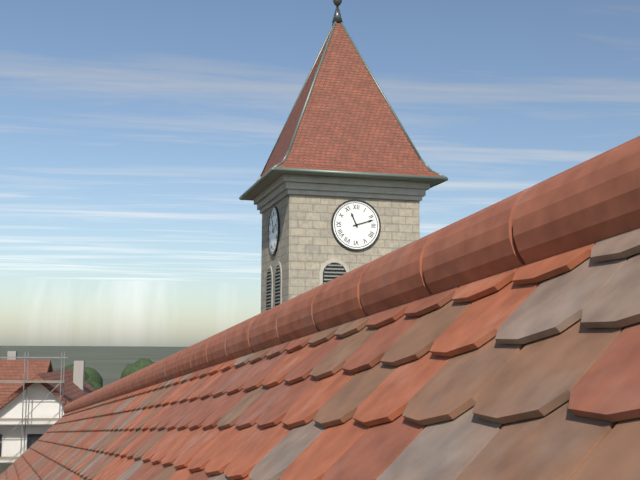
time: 11:12
